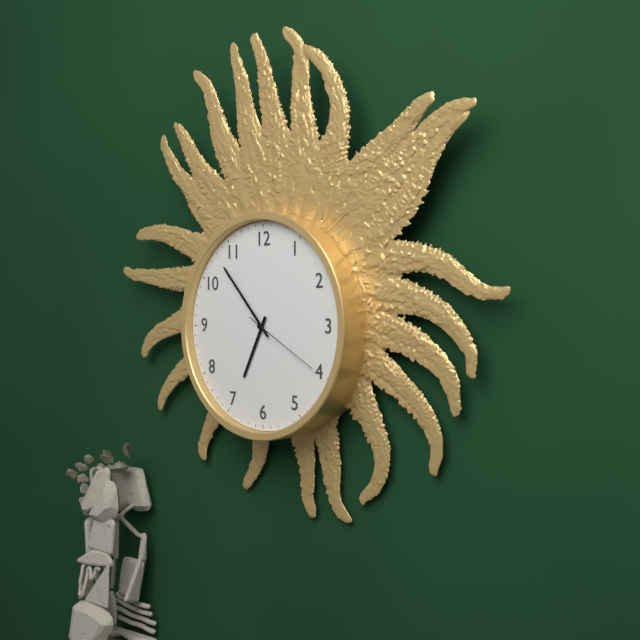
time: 6:53:20
